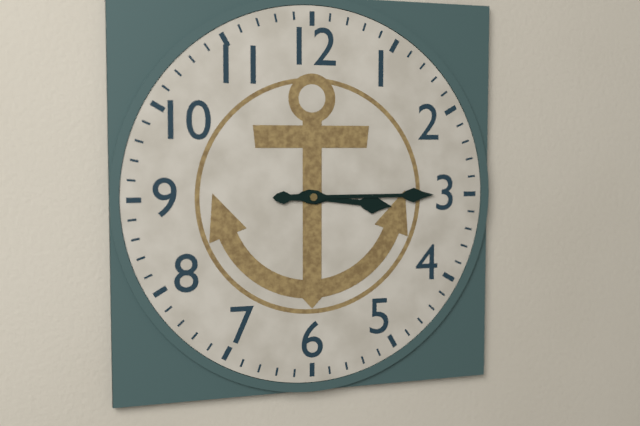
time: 3:15
